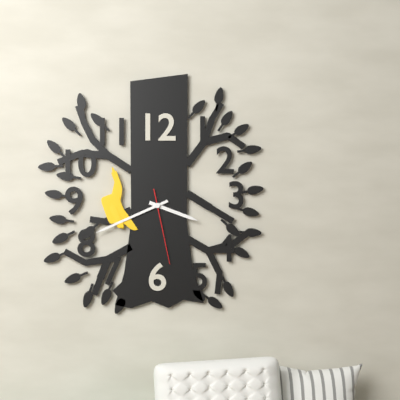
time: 3:41:28
